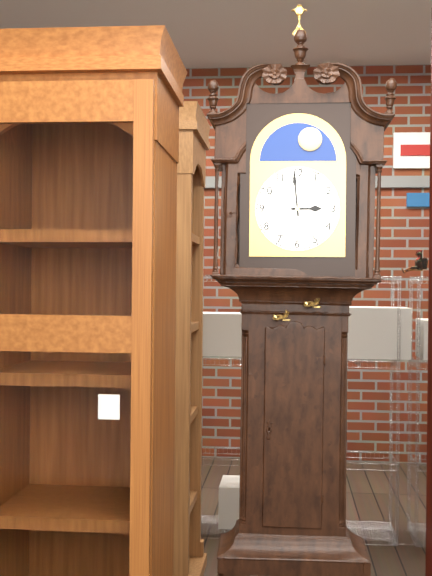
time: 2:59
